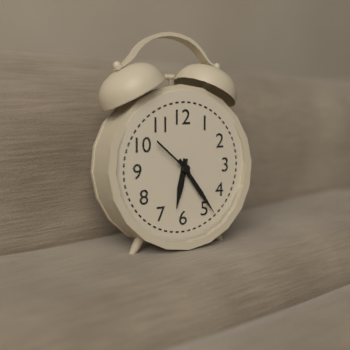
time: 6:24
